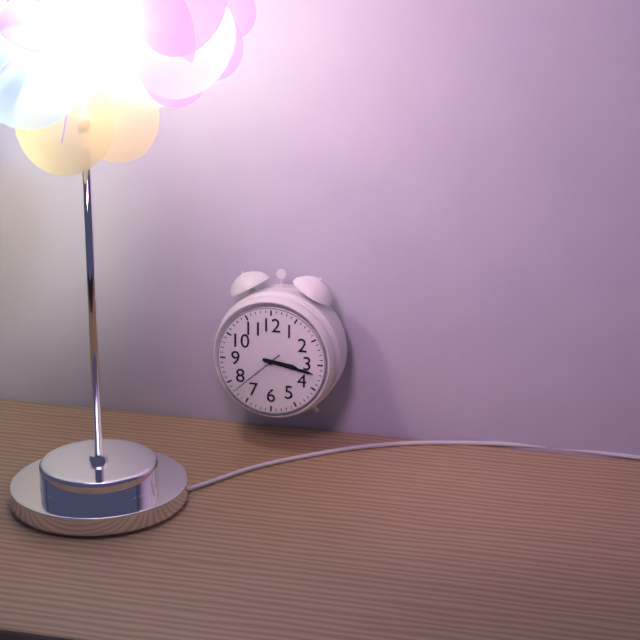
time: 3:17:38
